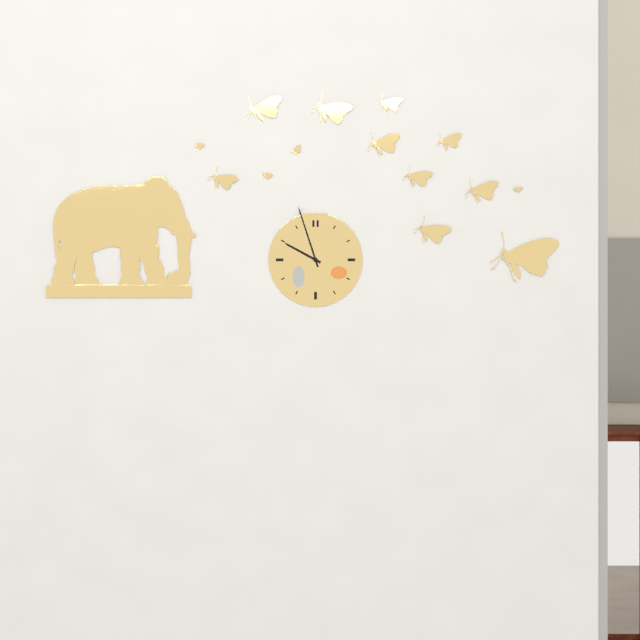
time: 9:57
